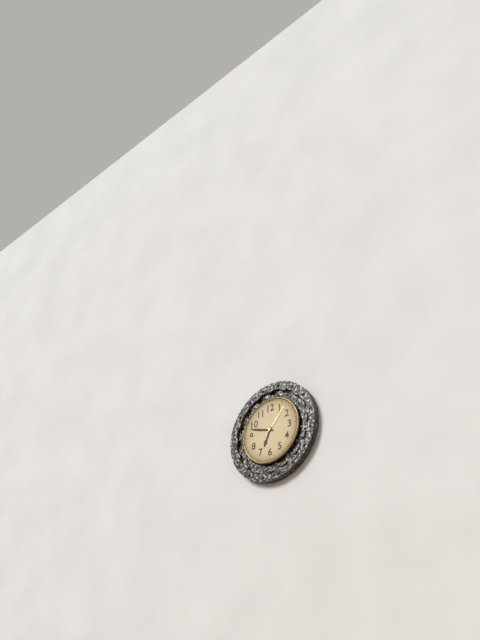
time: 6:48
